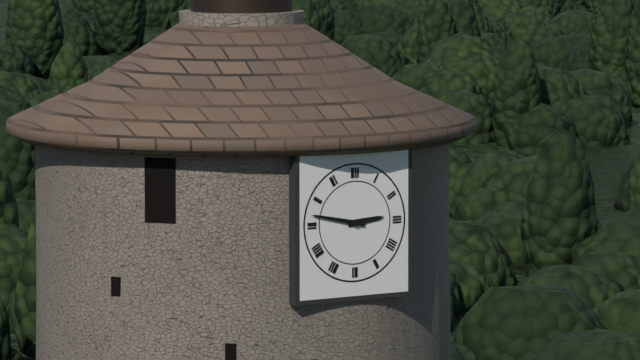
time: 2:47
